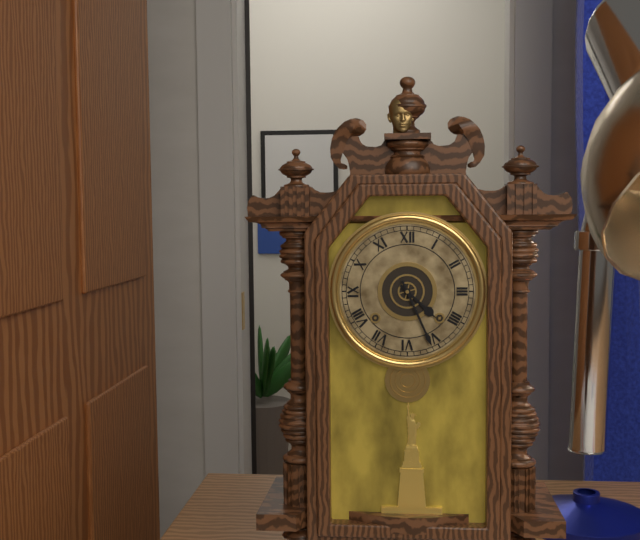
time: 4:26
